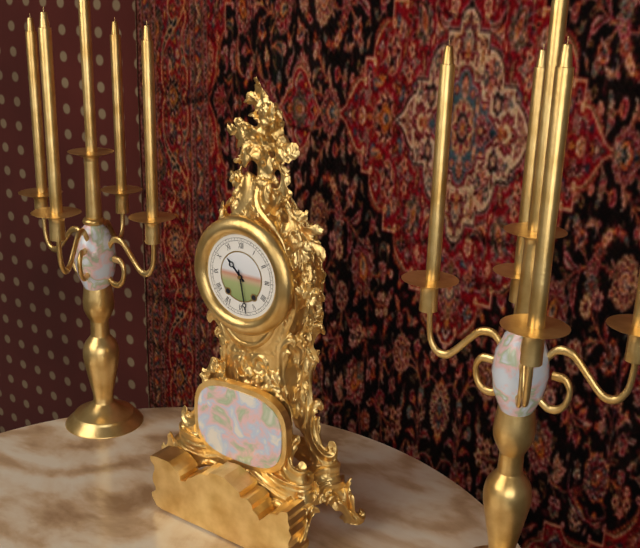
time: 10:28
